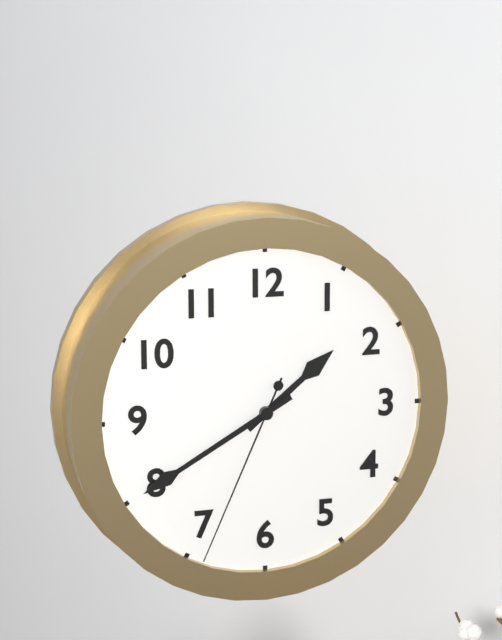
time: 1:40:34
